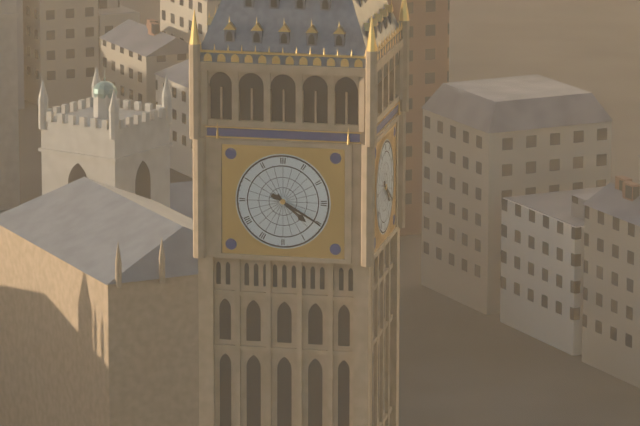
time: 4:20
